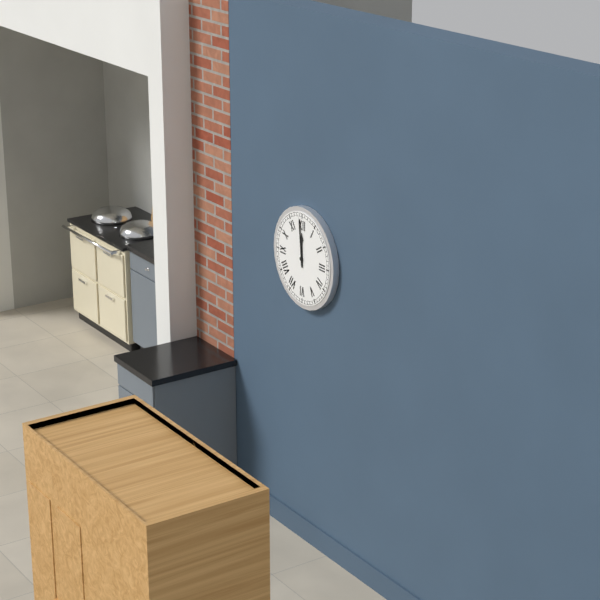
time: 11:59
